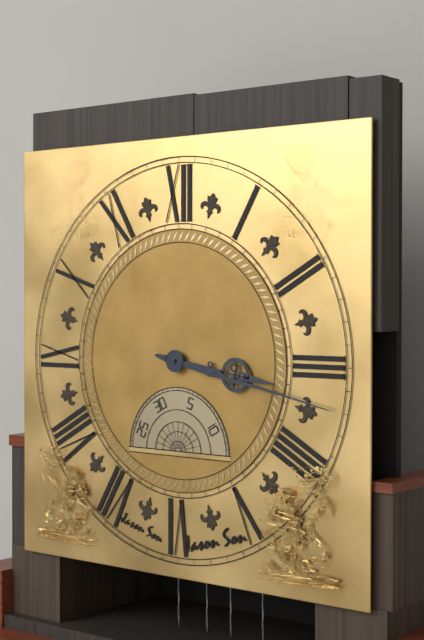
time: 3:17
